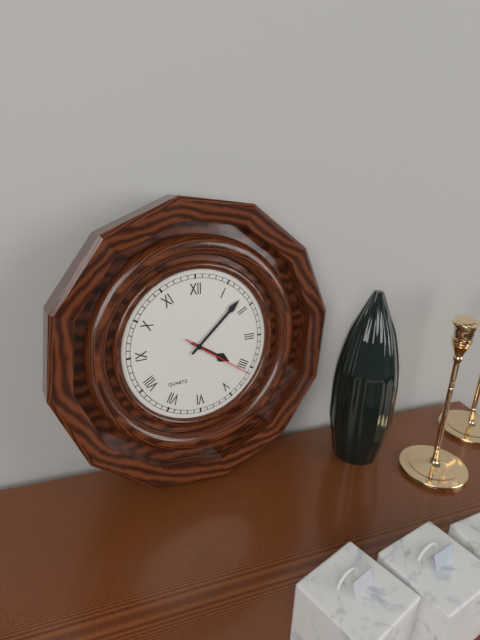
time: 4:08:21
